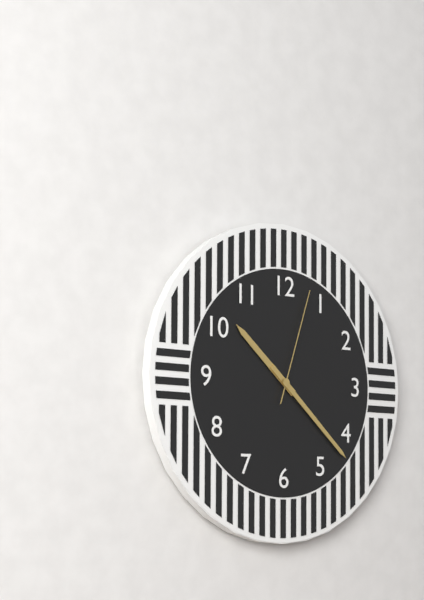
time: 10:22:03
